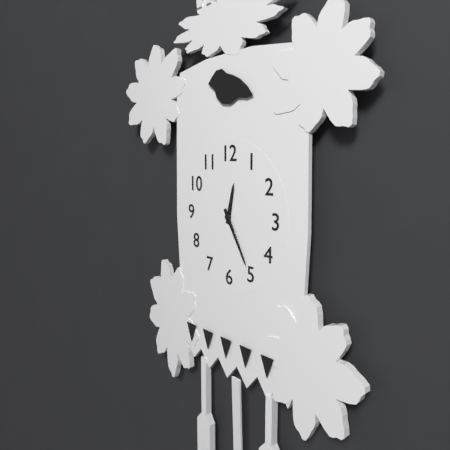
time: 12:25
